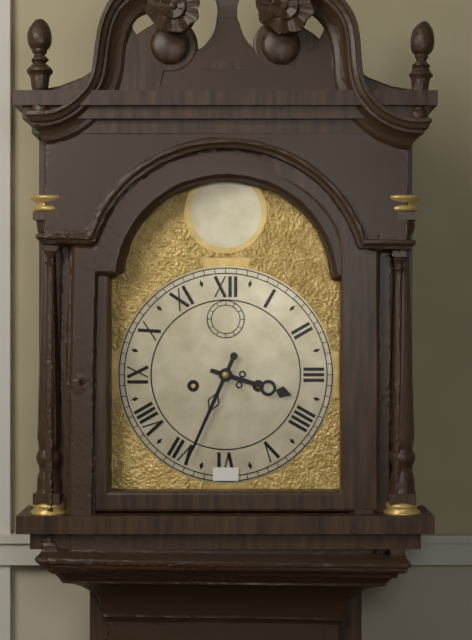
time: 3:34
